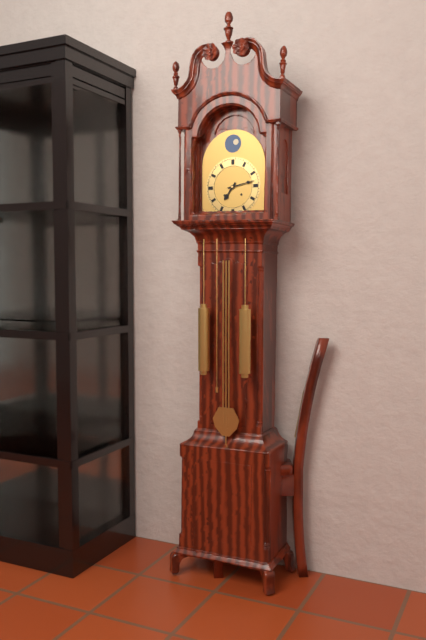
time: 7:13
